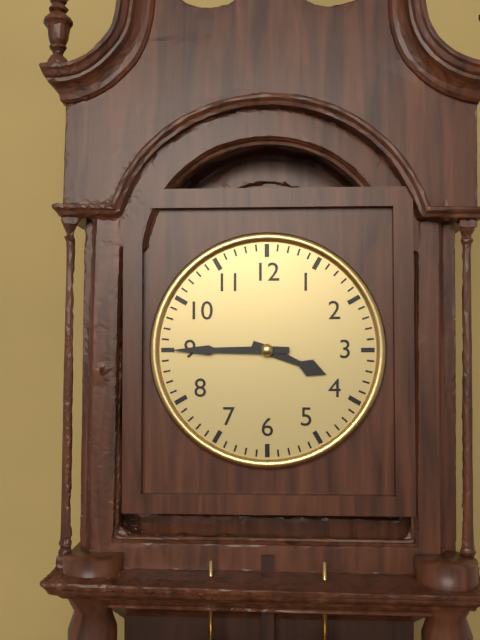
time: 3:45
